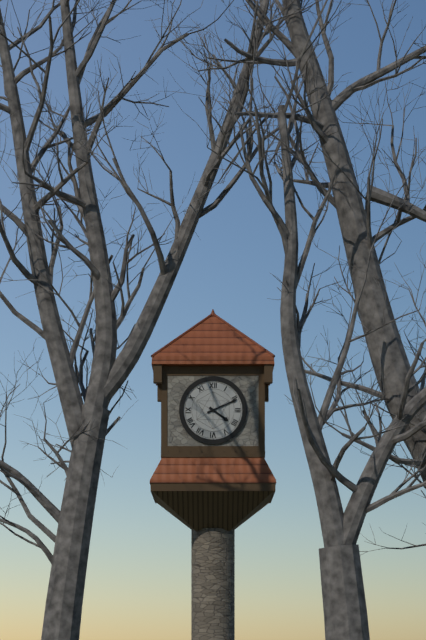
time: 4:11
